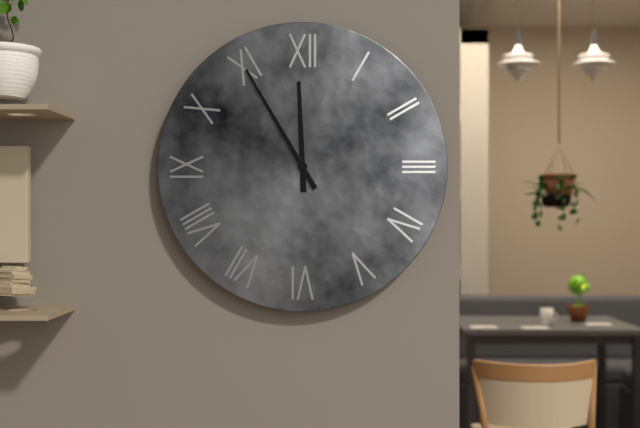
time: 11:55
